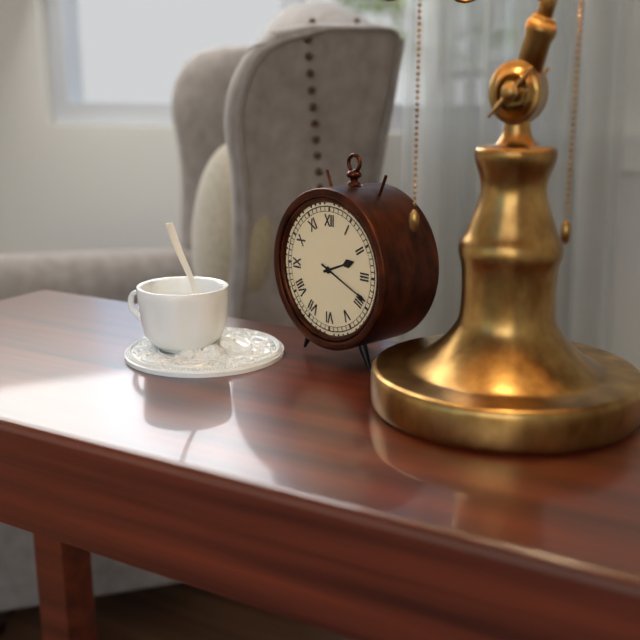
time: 2:19
